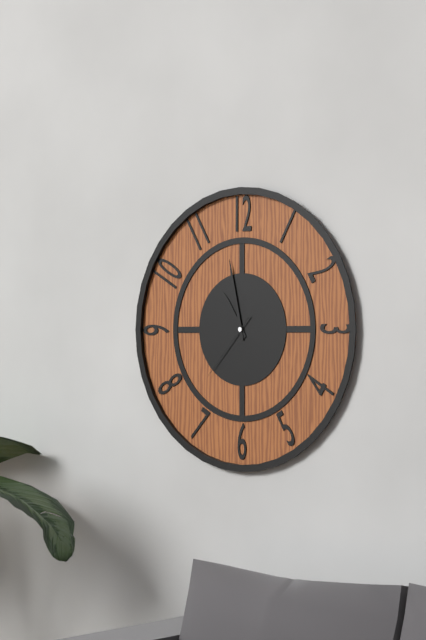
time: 10:58:37
